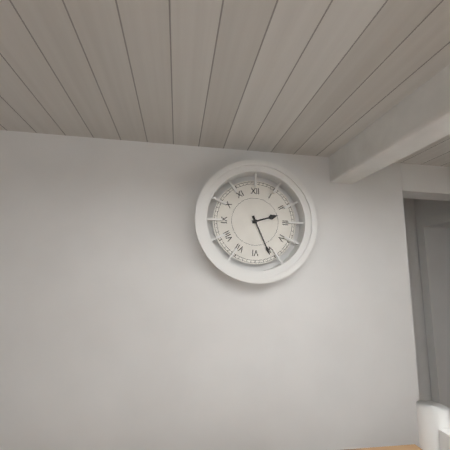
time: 2:26
